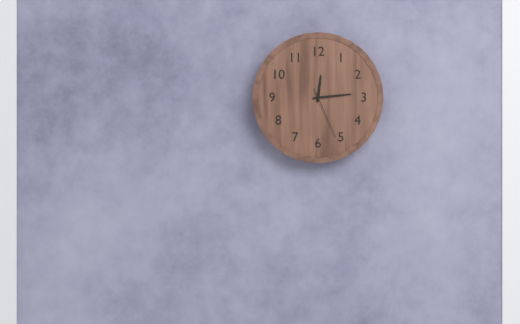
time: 12:14:26
